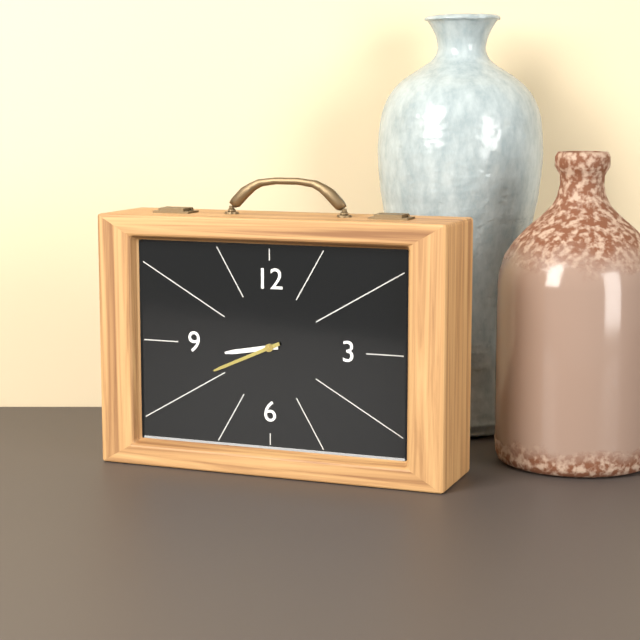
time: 8:41
